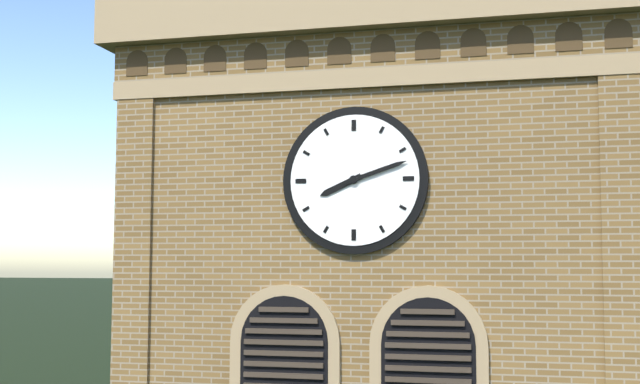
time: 8:12
